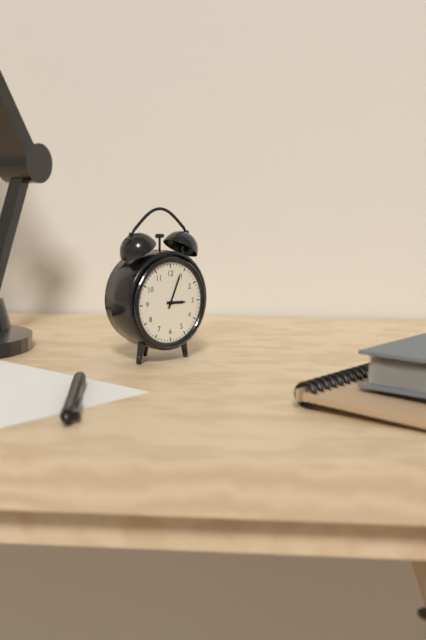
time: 3:04
